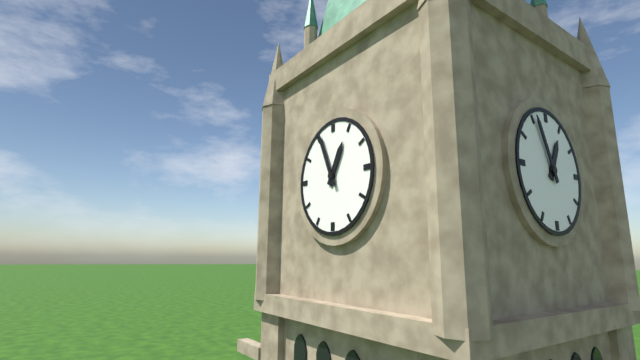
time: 12:56
